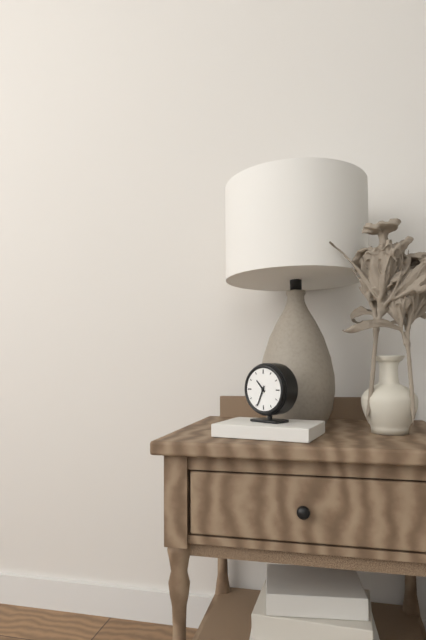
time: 10:34
